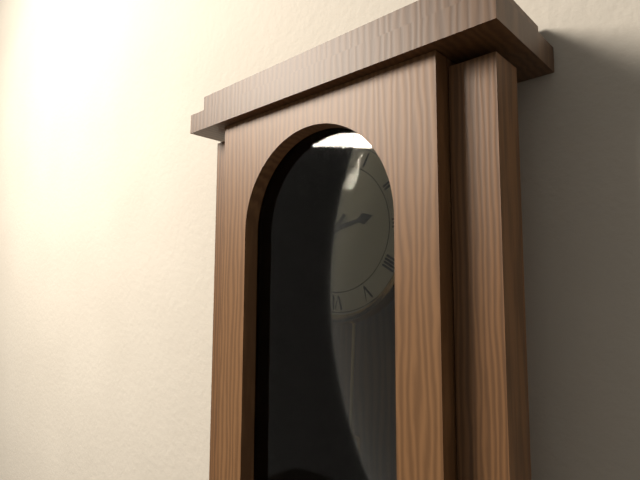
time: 2:37
